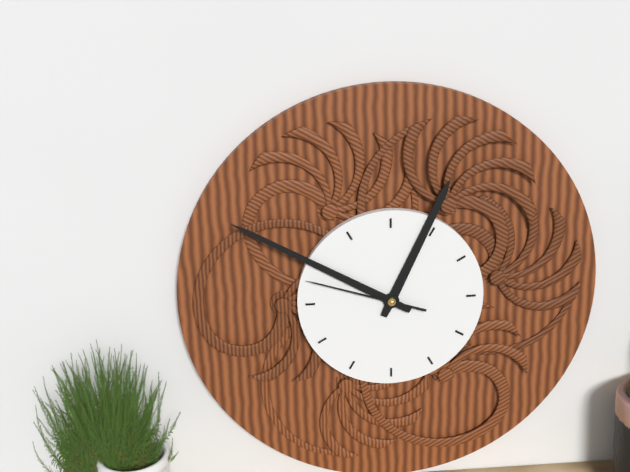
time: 12:50:48
